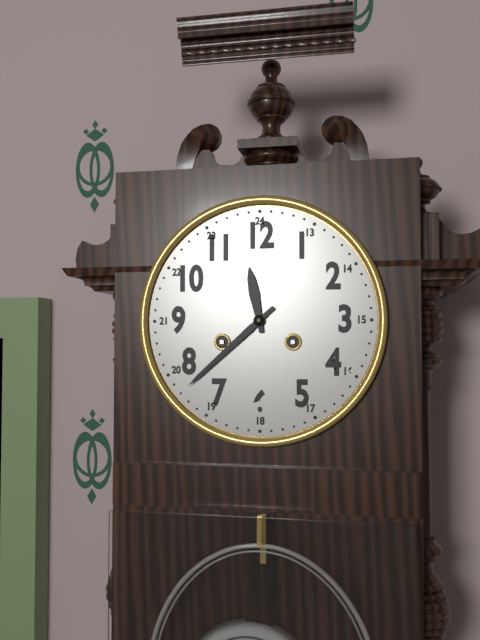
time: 11:38
